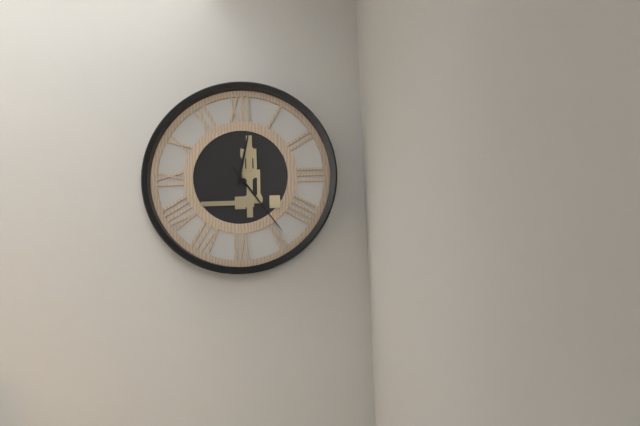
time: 12:24
